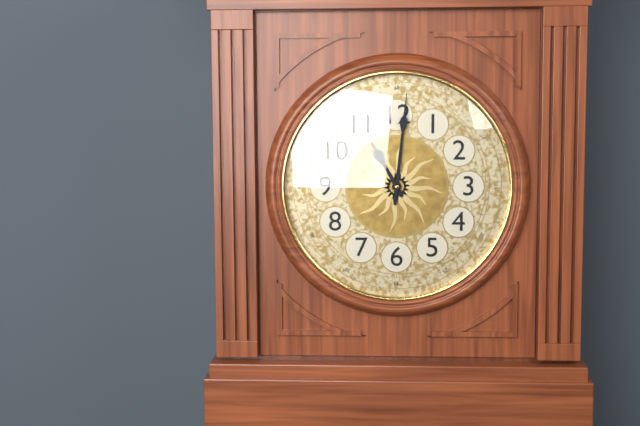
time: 11:01
